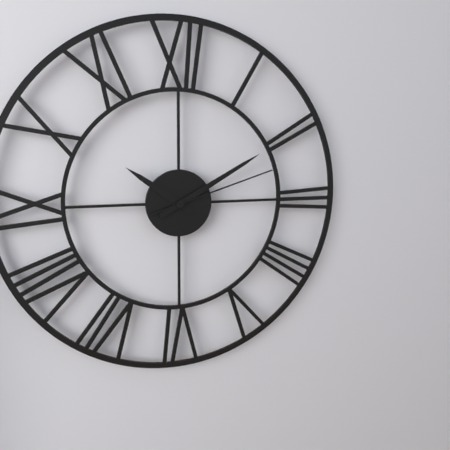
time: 10:10:12
